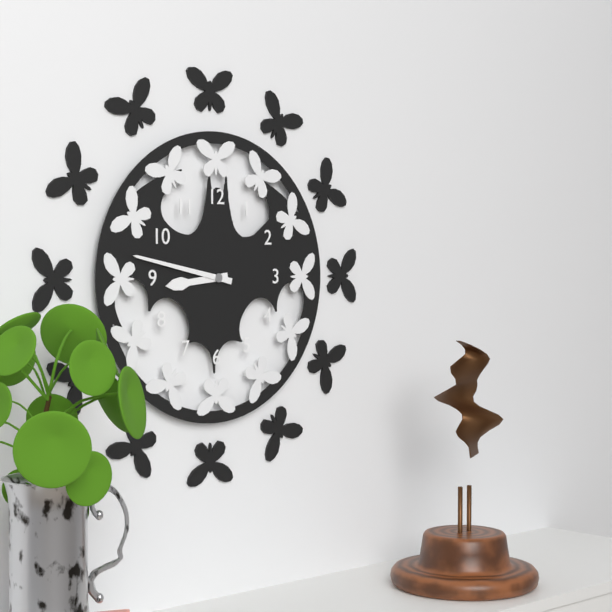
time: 8:47
